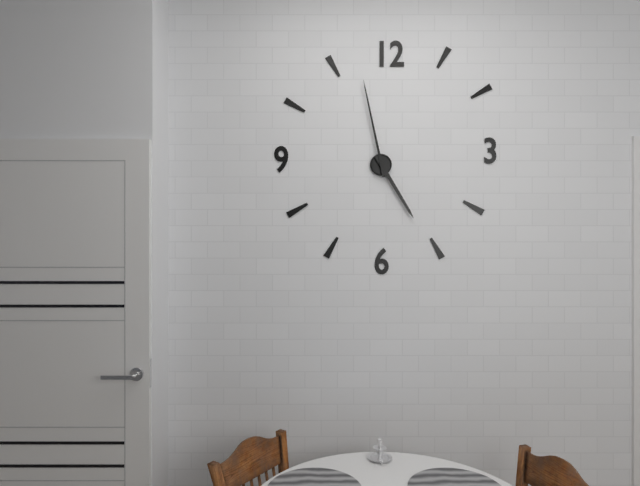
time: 4:58
